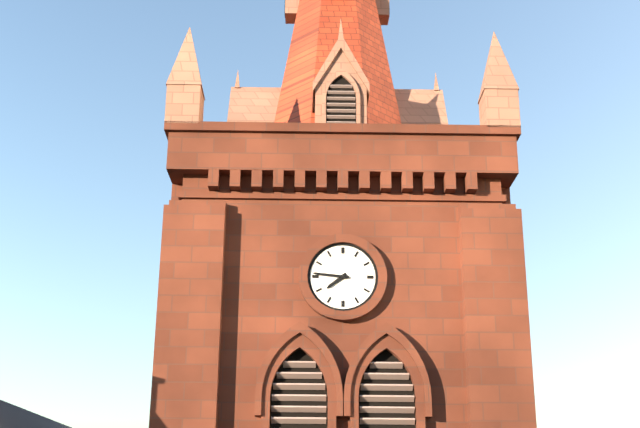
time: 7:46
